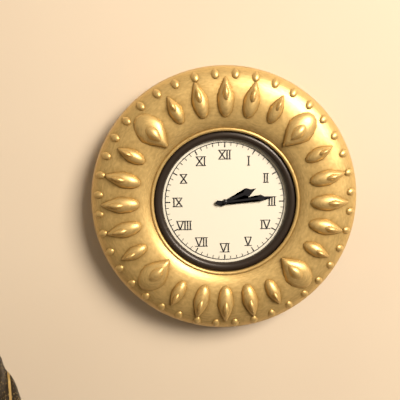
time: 2:14
